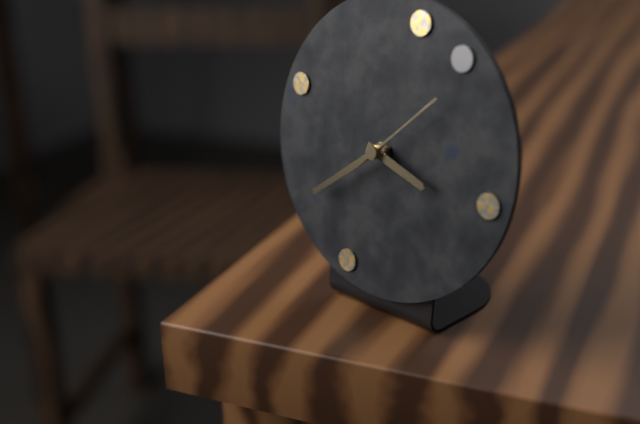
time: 3:39:08
